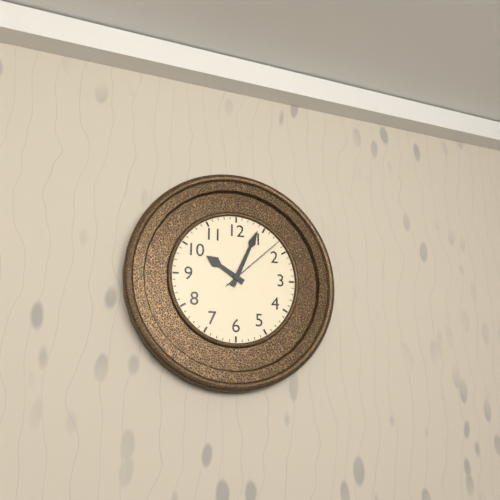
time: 10:04:08
